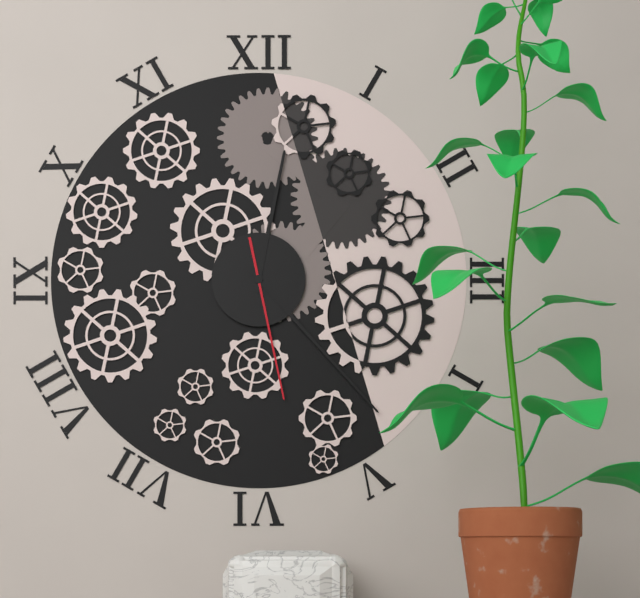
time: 12:23:28
